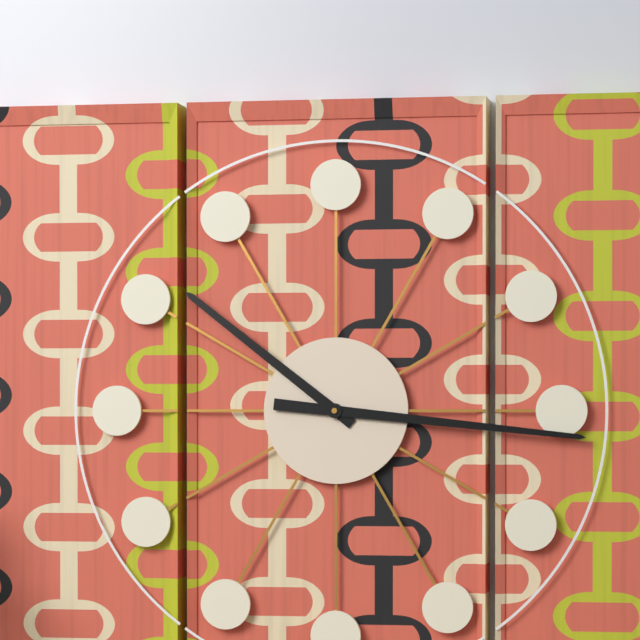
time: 10:16
